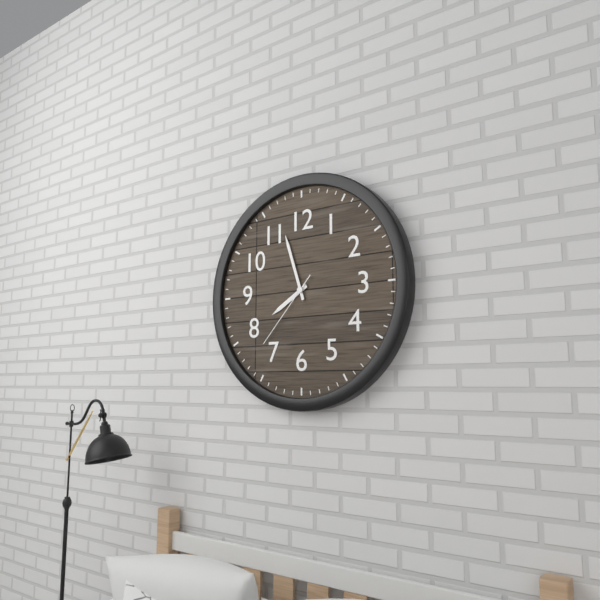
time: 7:57:37
